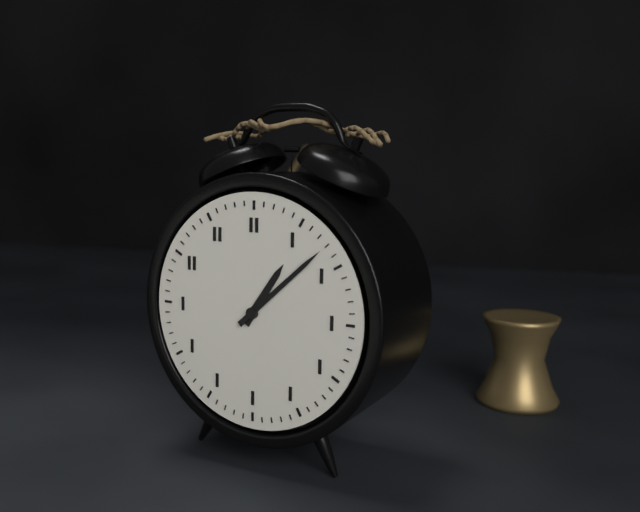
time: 1:08
